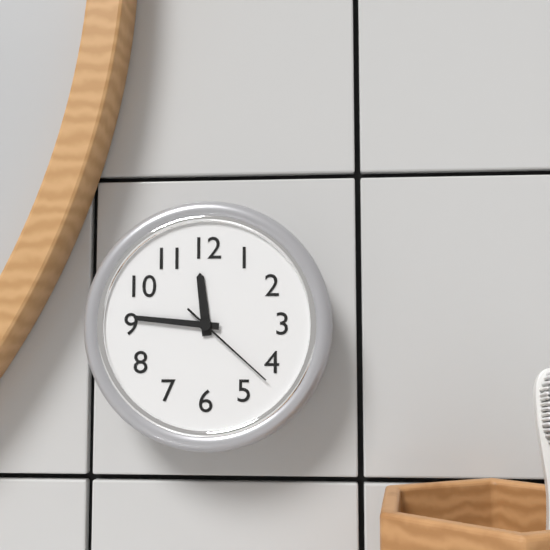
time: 11:46:22
